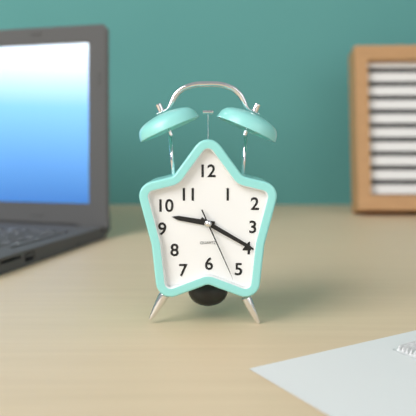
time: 9:20:26
